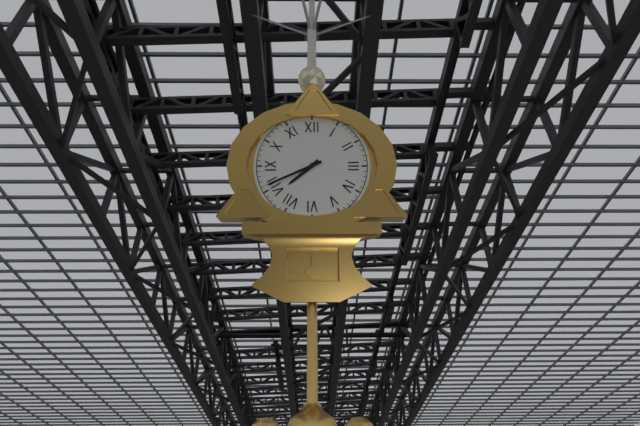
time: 7:41
